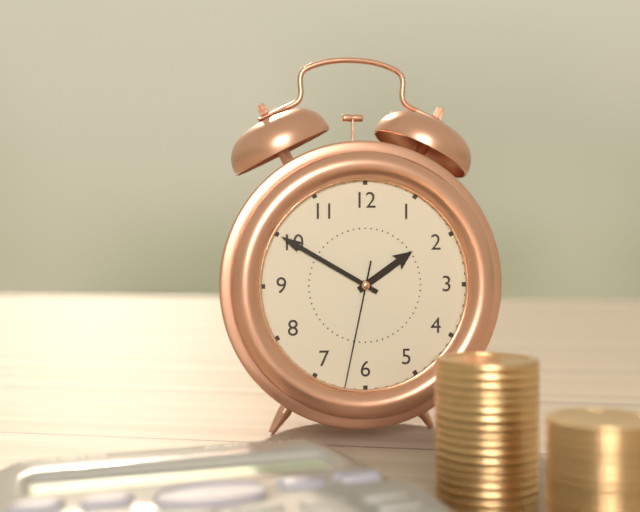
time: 1:50:32
